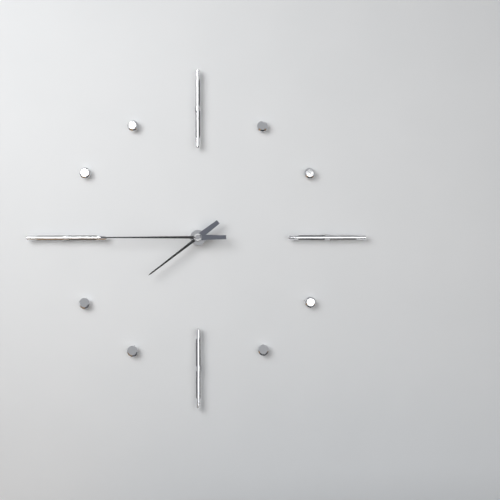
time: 7:45
